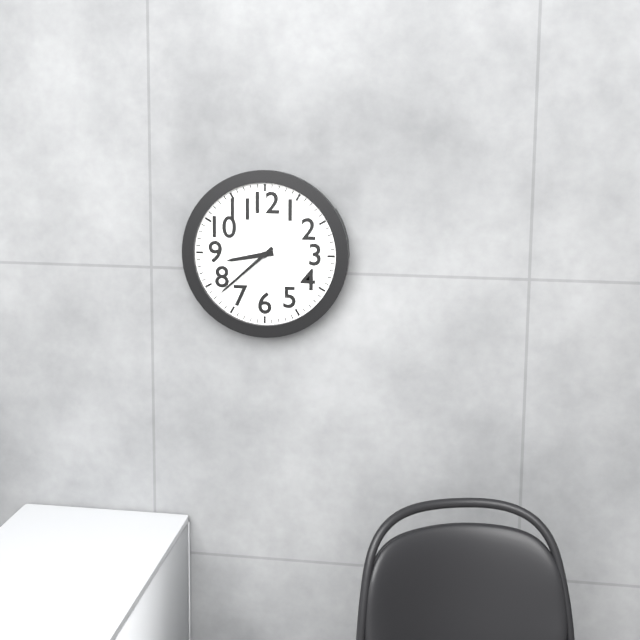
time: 8:38
